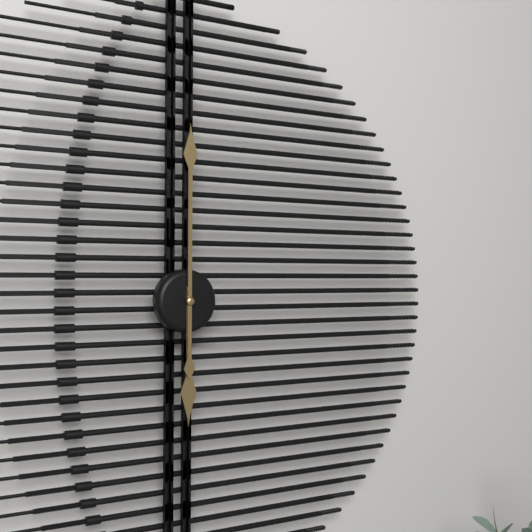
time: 6:00
